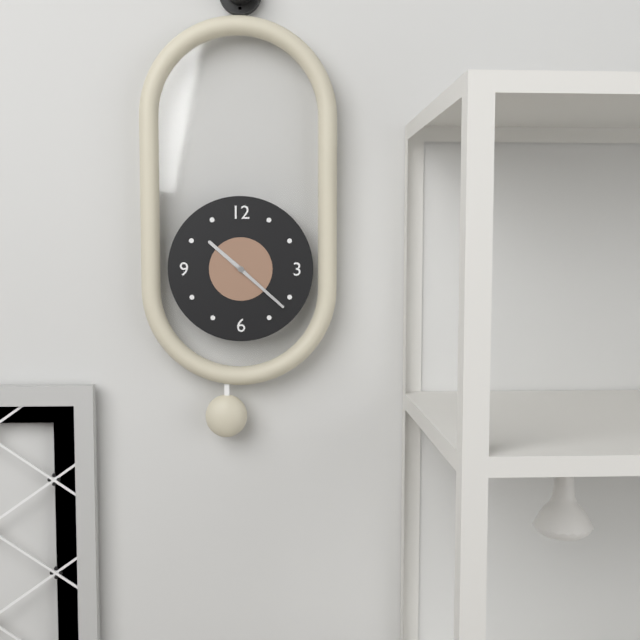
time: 10:22
